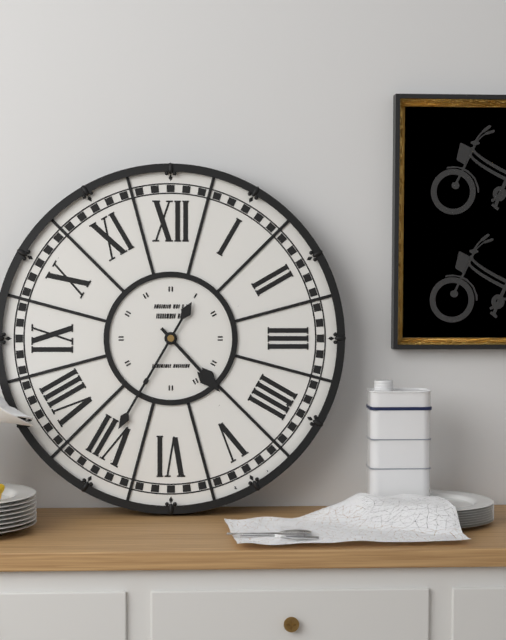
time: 4:35
